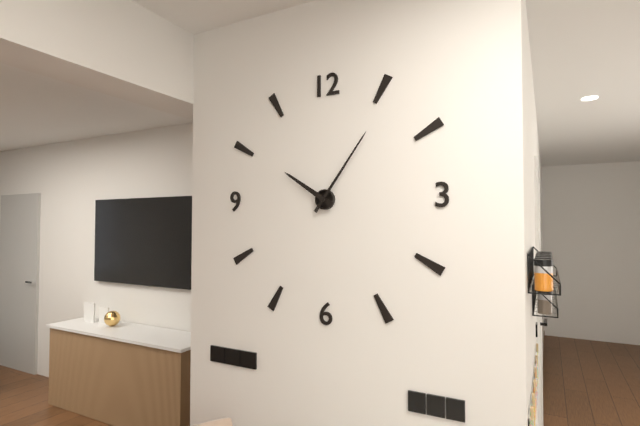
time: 10:06
